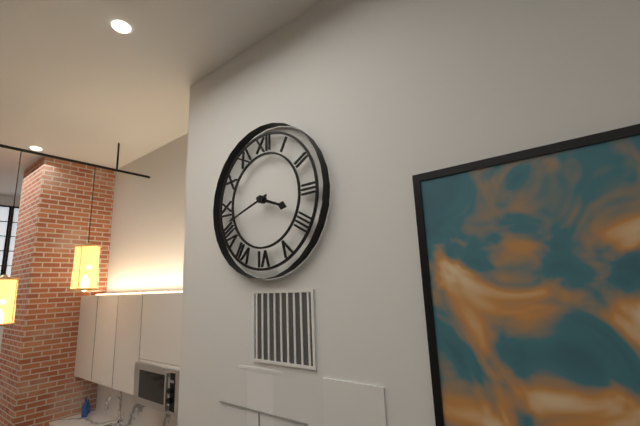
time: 3:42
